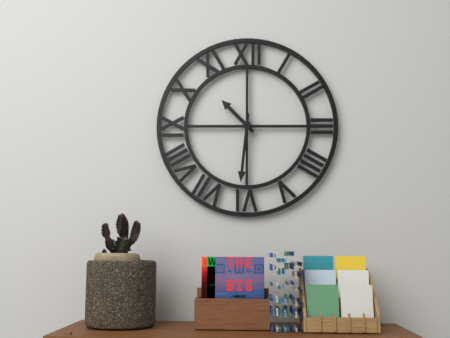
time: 10:31
